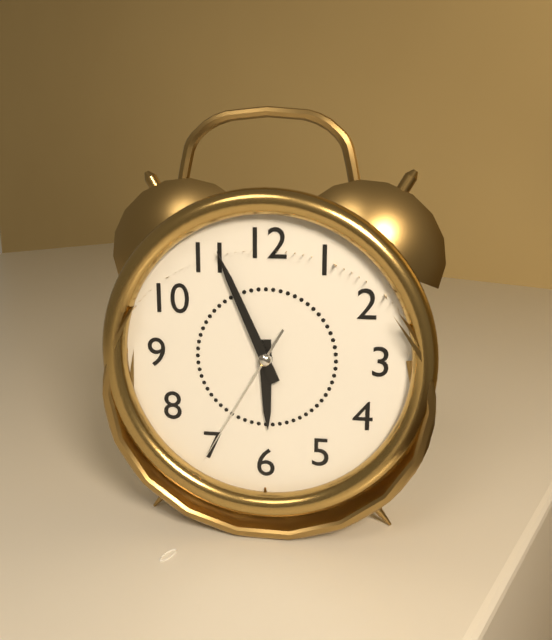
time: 5:56:35
